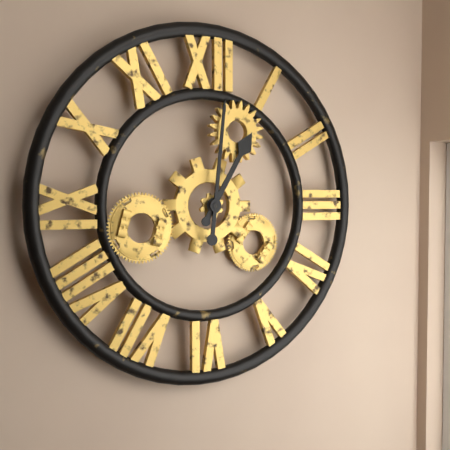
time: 1:01
